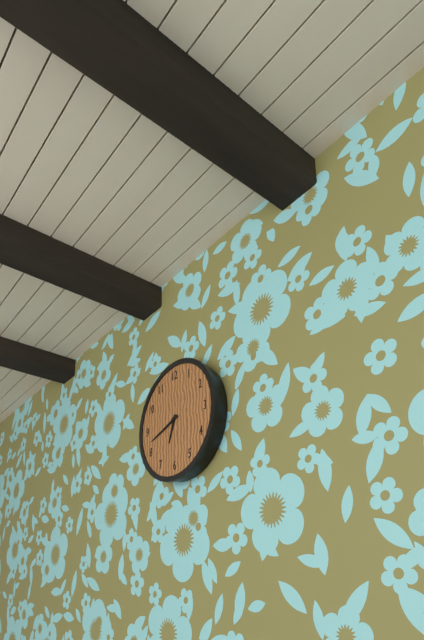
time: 6:42
